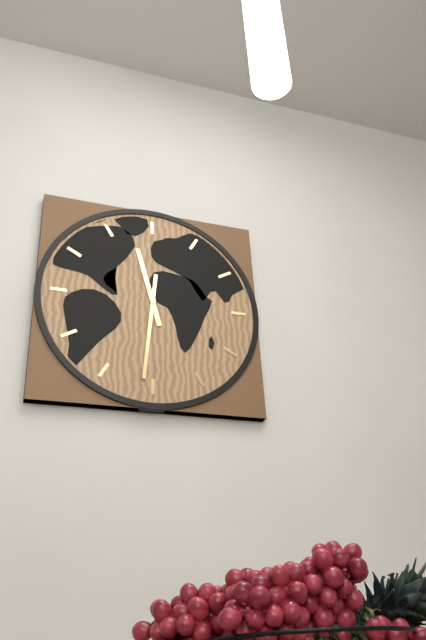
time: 11:31
